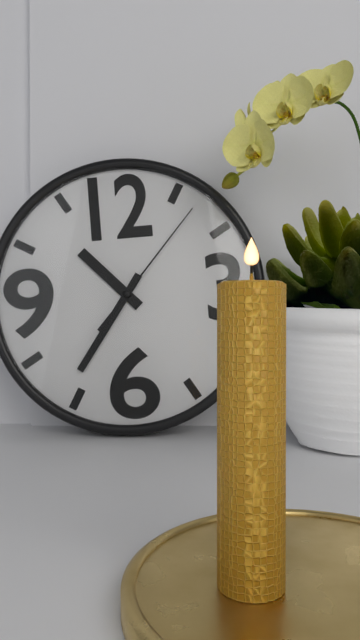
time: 10:36:07
